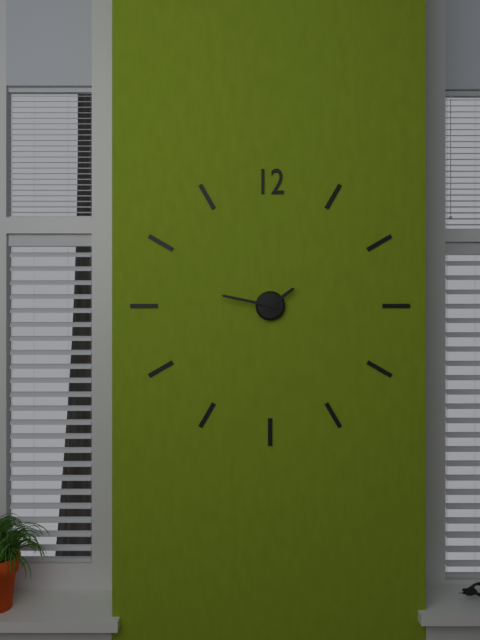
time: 1:47
